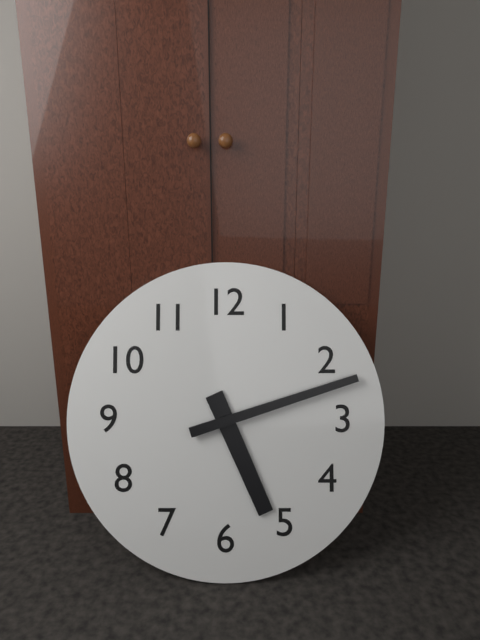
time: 5:12
